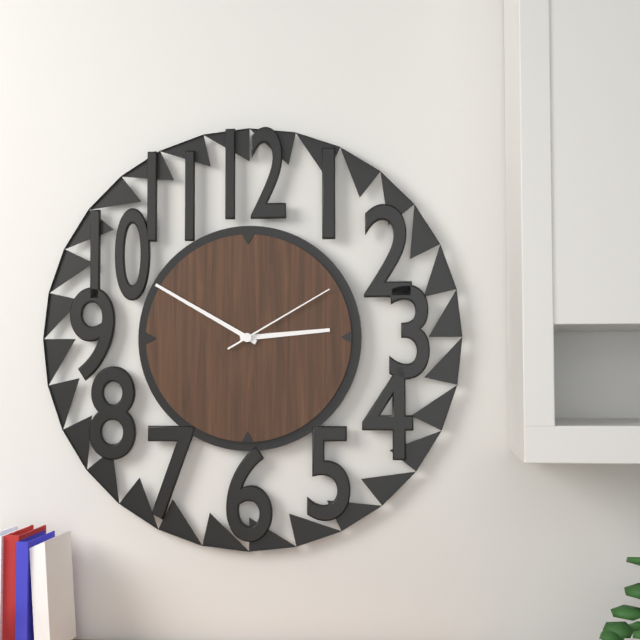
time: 2:50:10
